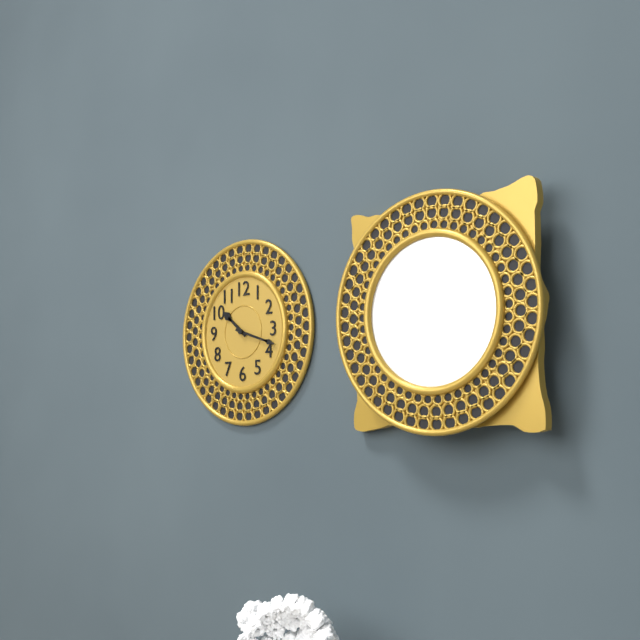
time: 10:18
